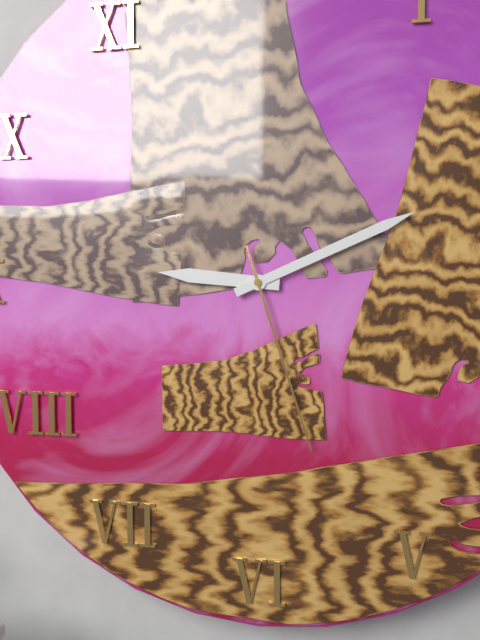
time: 9:11:27
